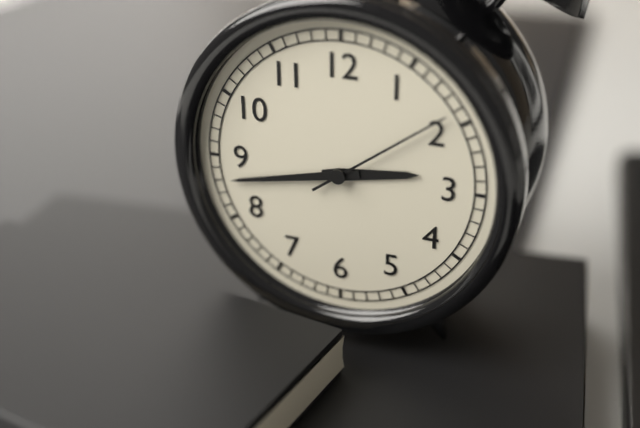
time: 2:43:09
